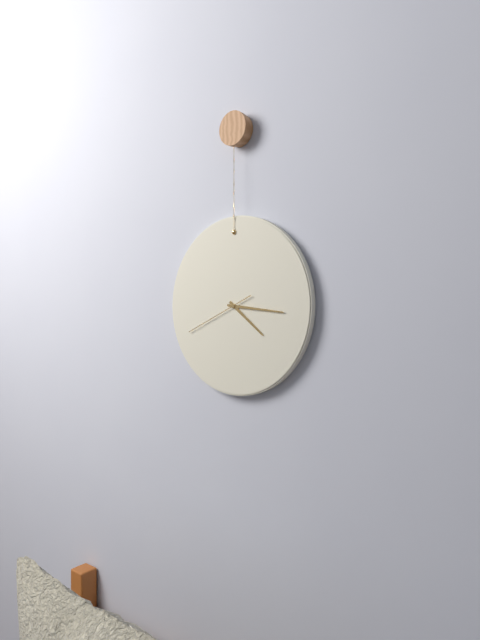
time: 4:16:41
